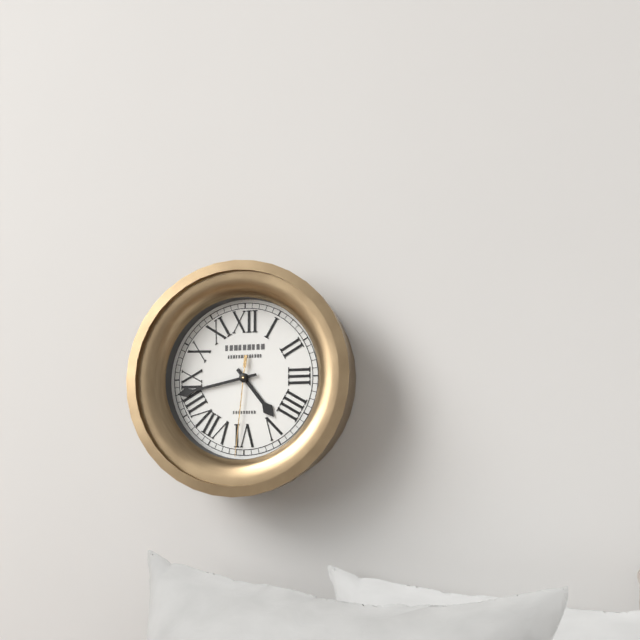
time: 4:43:31
